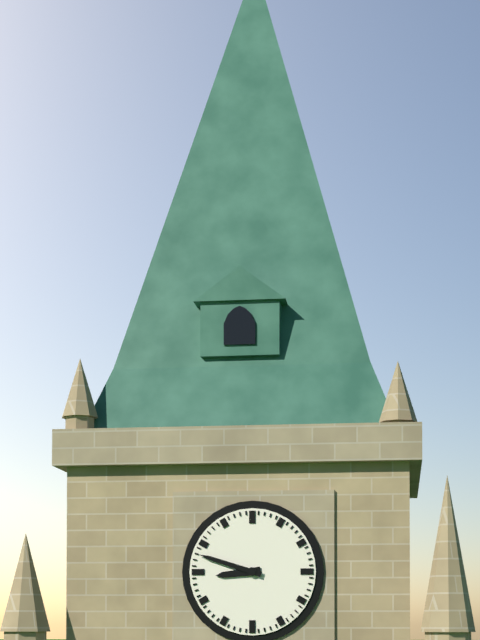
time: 8:48
